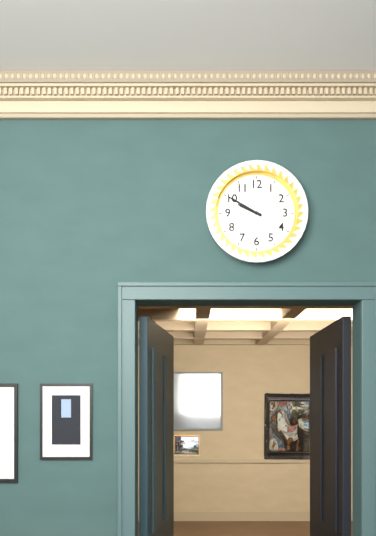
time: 9:50
